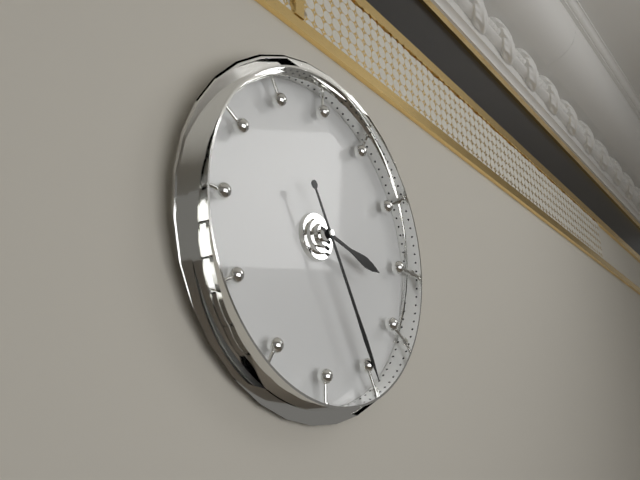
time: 3:25
